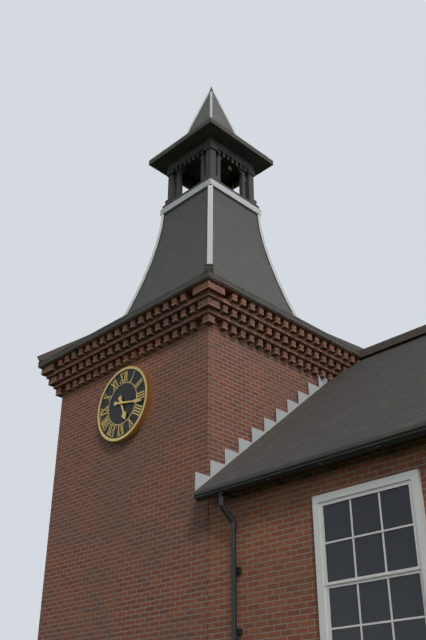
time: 5:17
